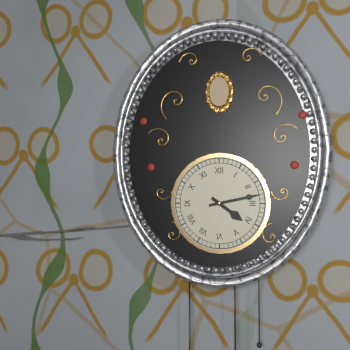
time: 4:13
